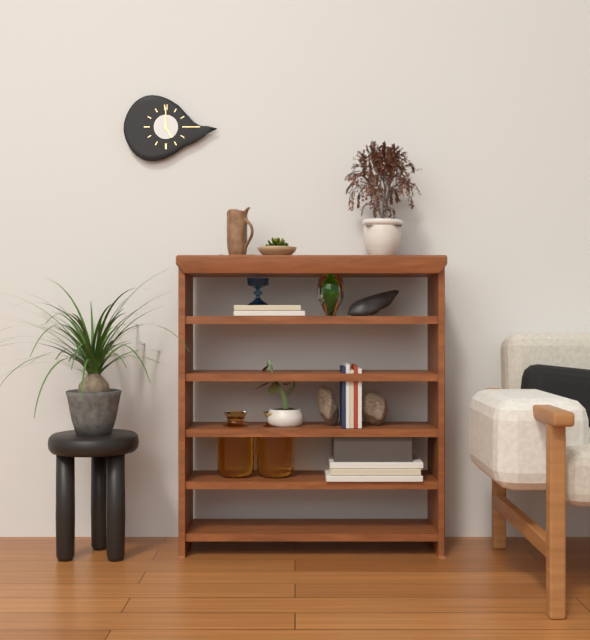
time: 5:00
